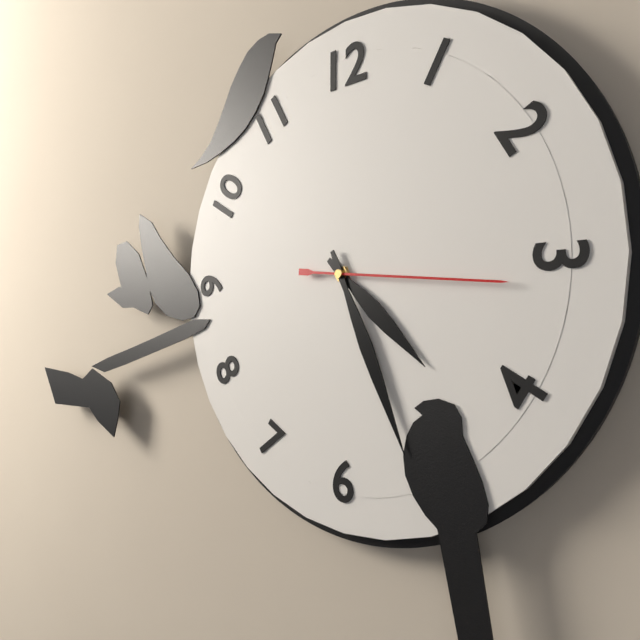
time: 4:26:16
